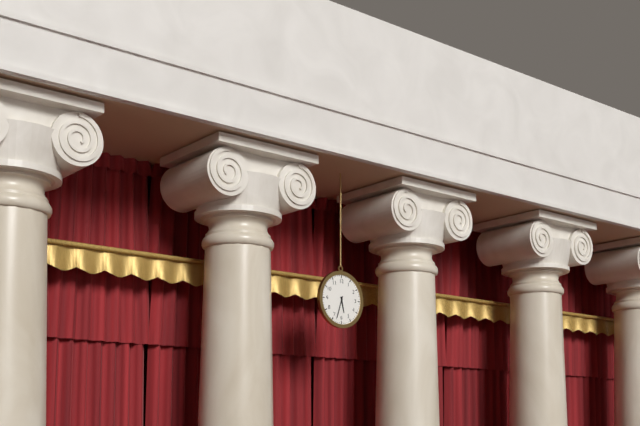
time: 5:33
